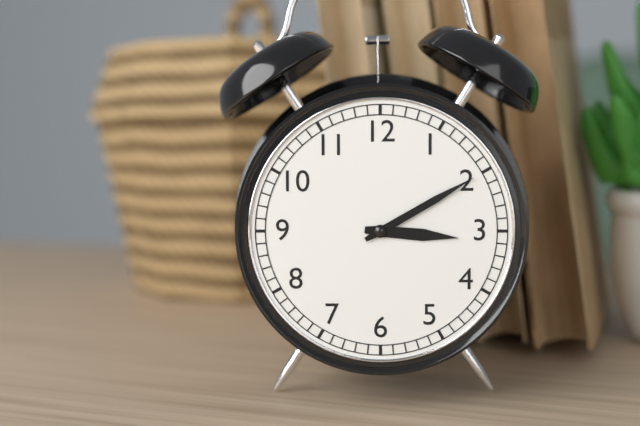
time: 3:10
